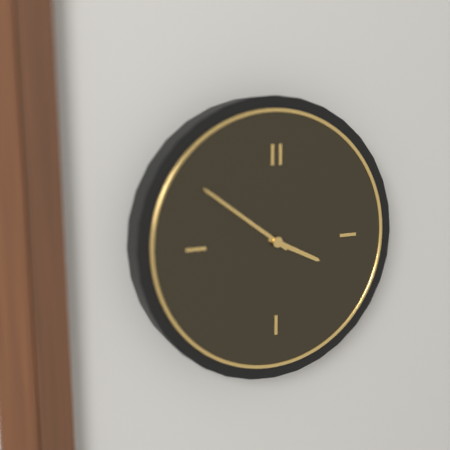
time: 3:51
